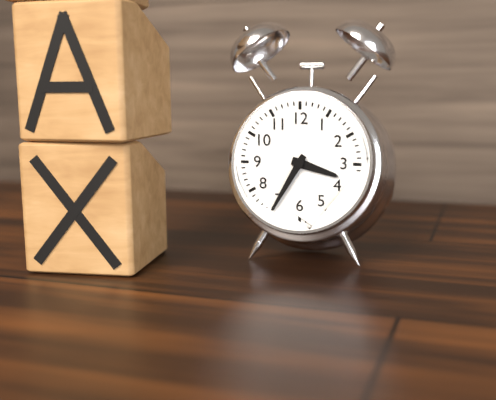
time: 3:35
